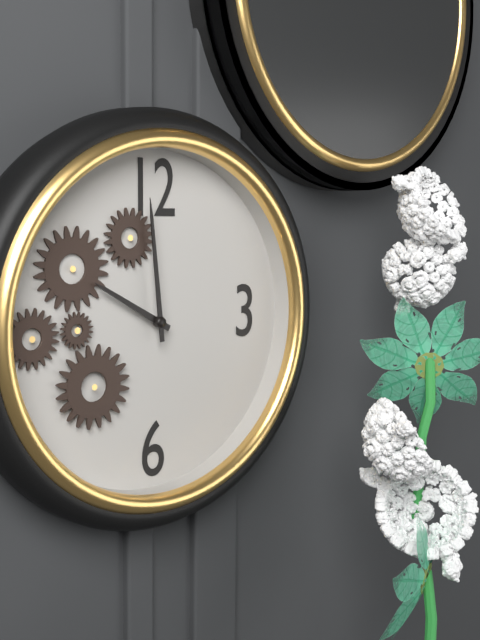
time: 9:59
